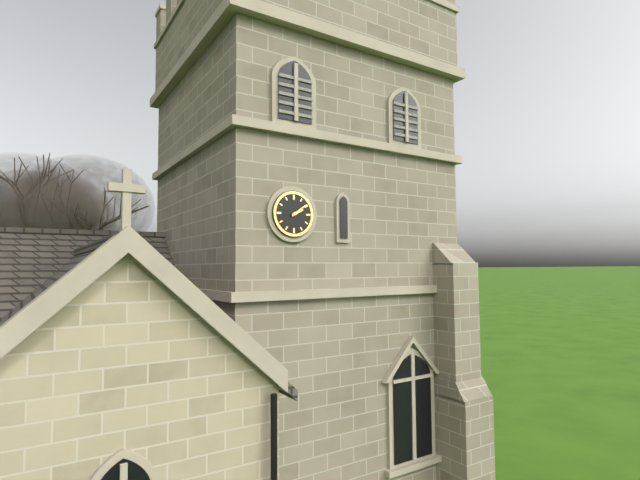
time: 2:09
